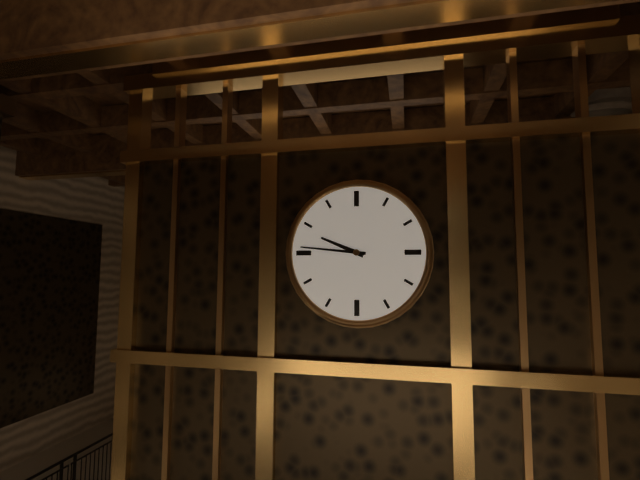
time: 9:46
